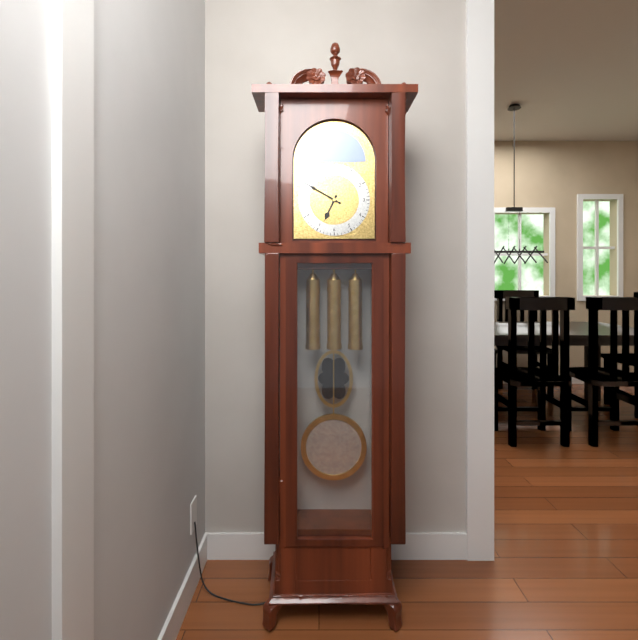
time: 6:50
